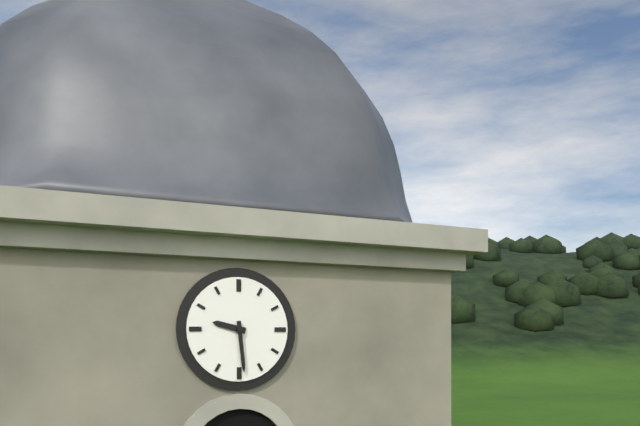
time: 9:29
